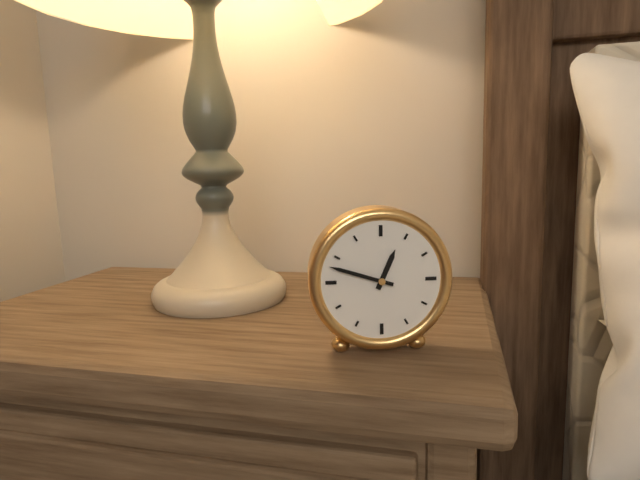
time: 12:48
